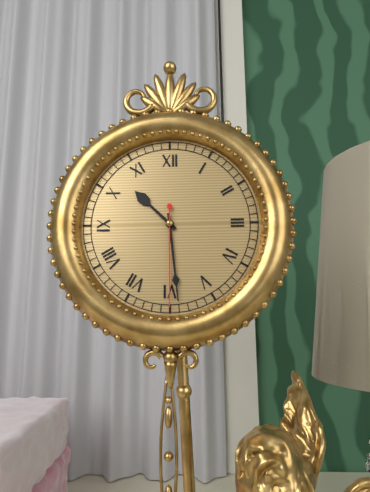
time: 10:29:30
